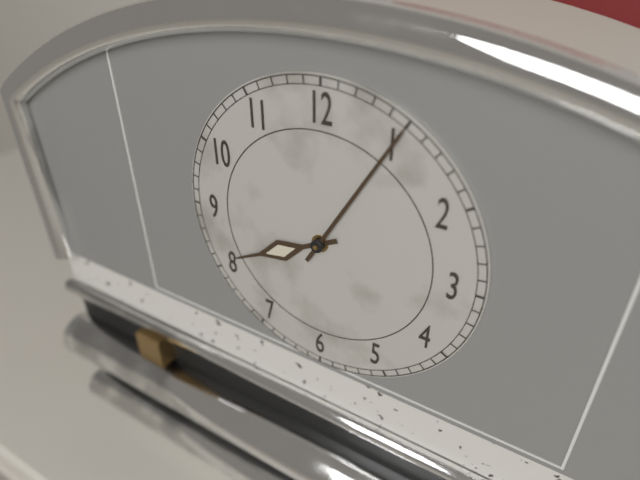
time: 8:05
